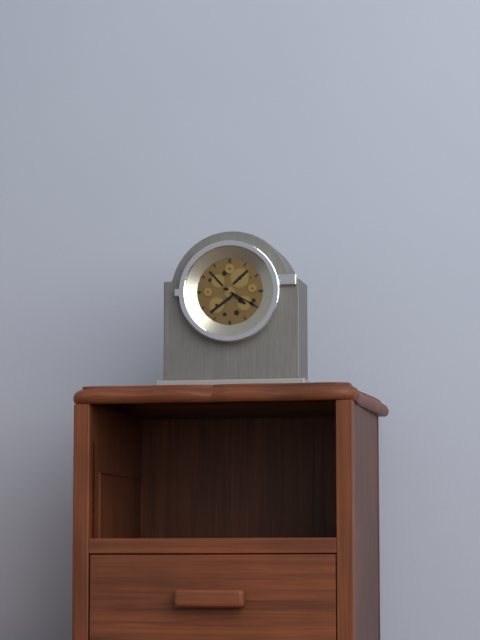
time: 4:20
